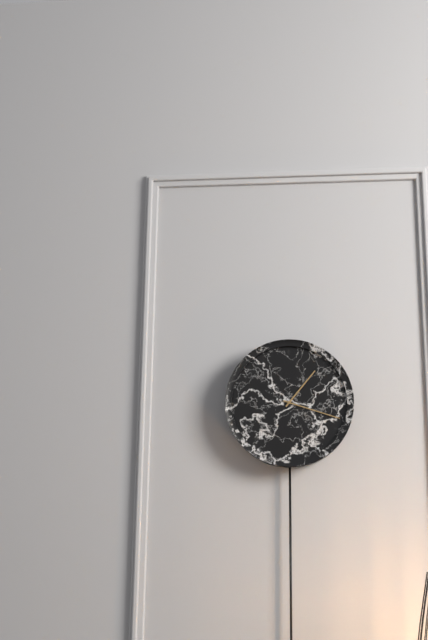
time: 1:18
